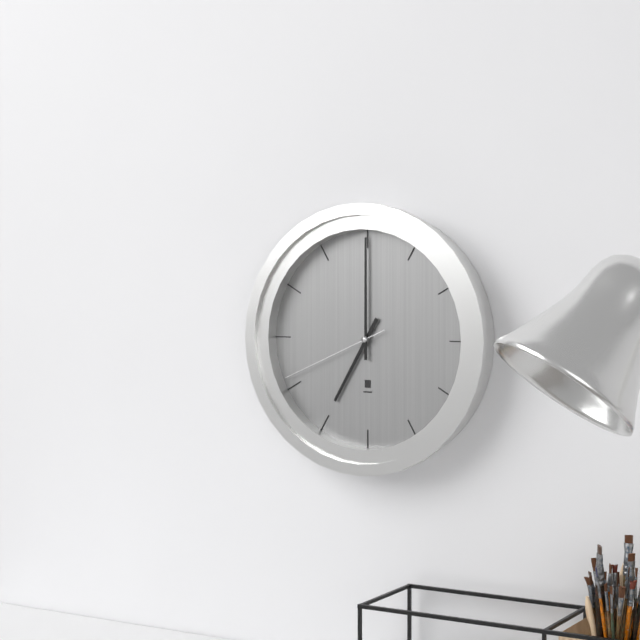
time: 7:00:41
